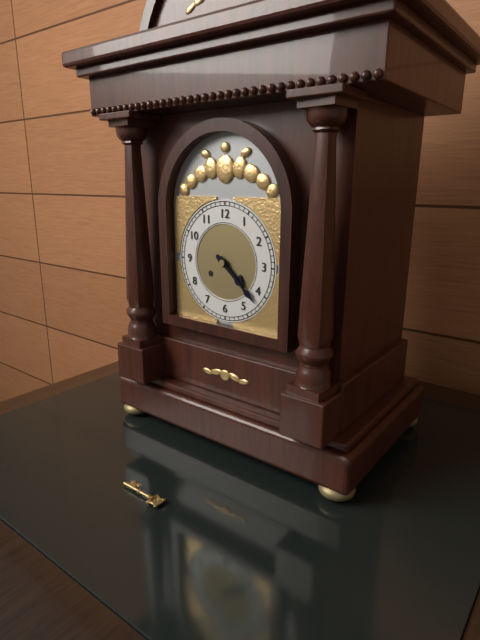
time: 4:22
